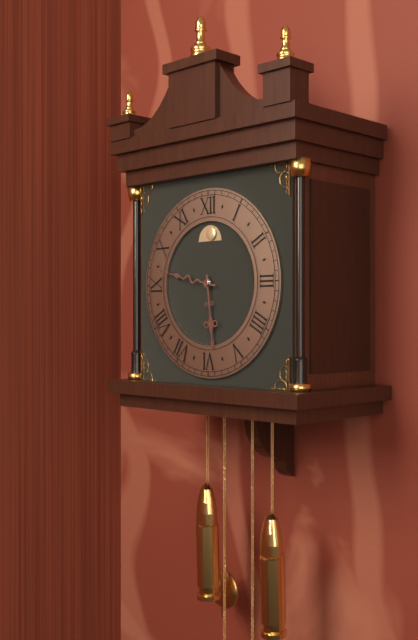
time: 5:47
